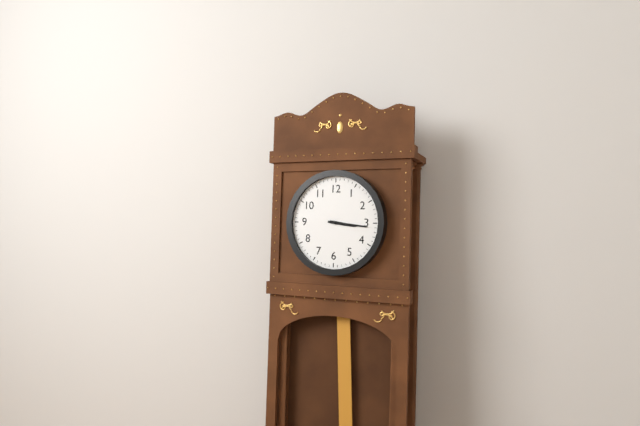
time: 3:16
